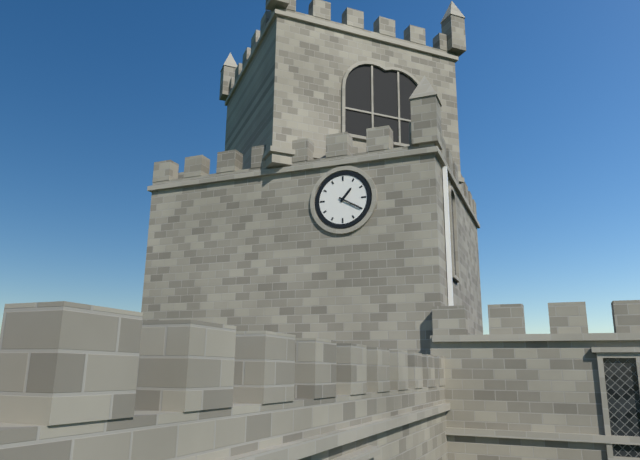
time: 1:20
